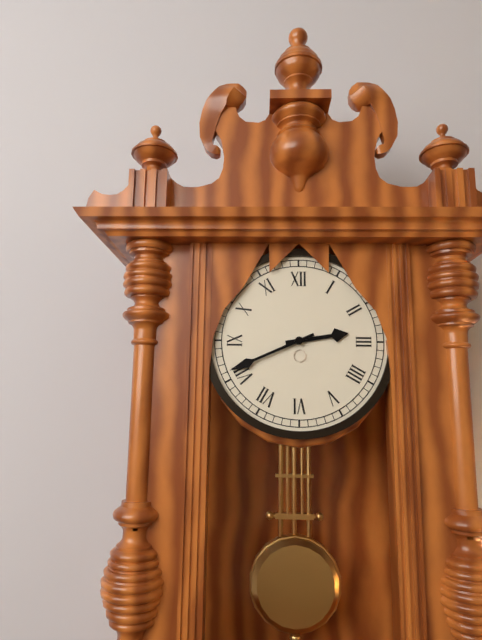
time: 2:41
